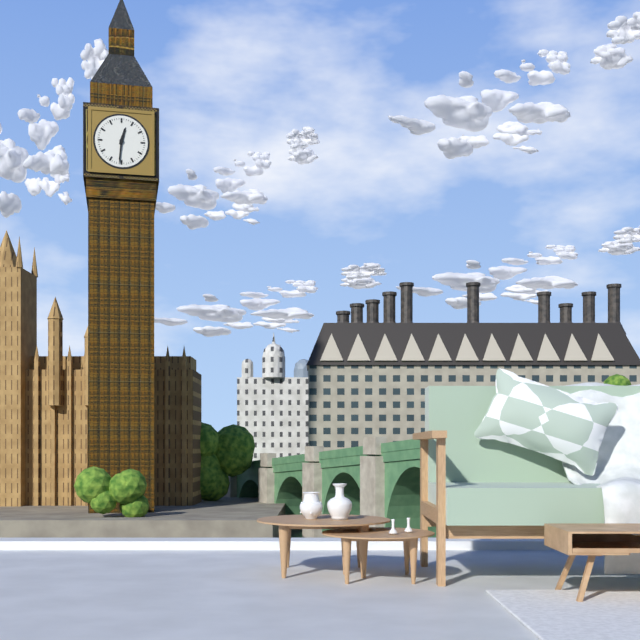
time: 12:31
